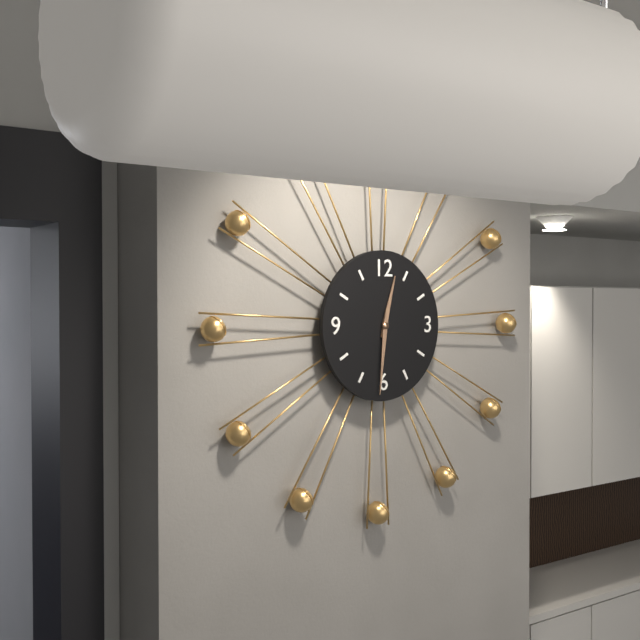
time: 12:31
